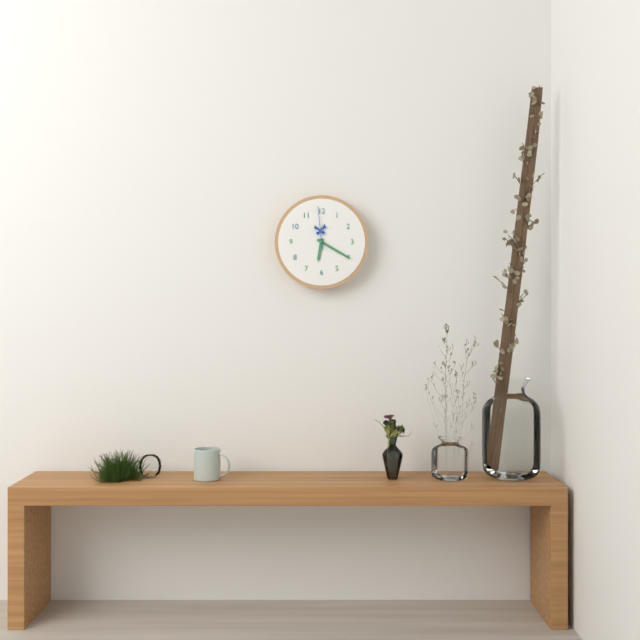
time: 6:20
